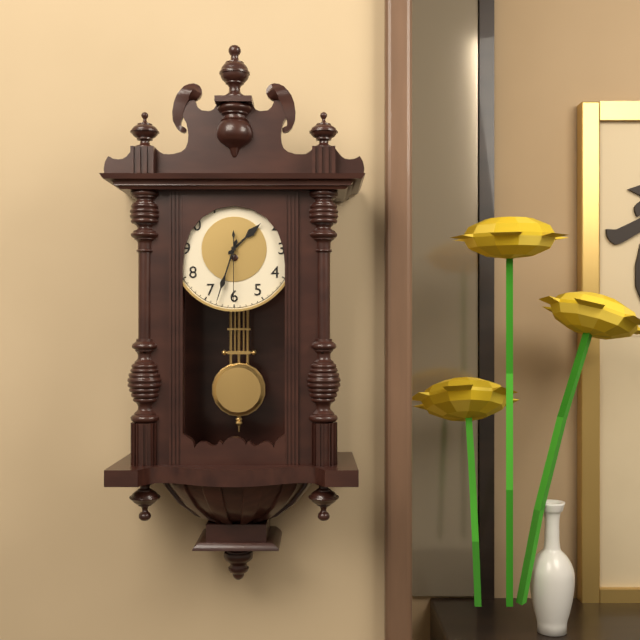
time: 1:33:30
